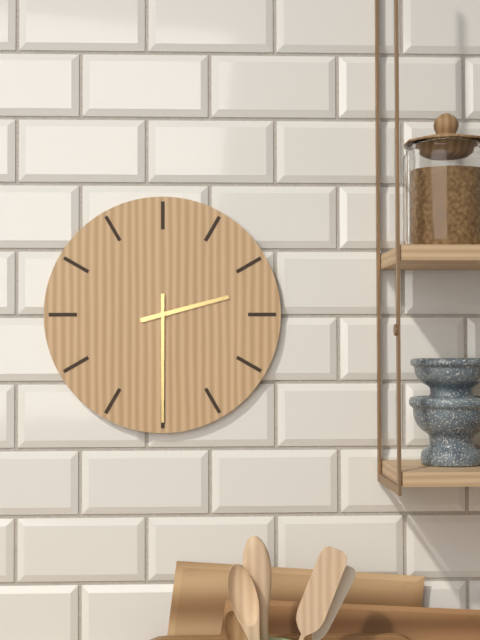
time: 2:30
